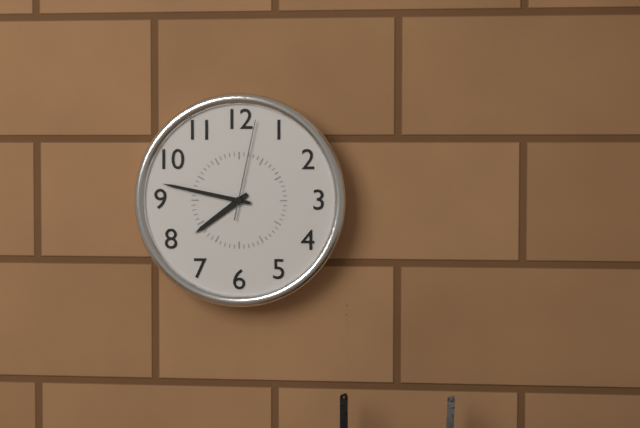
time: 7:47:02
